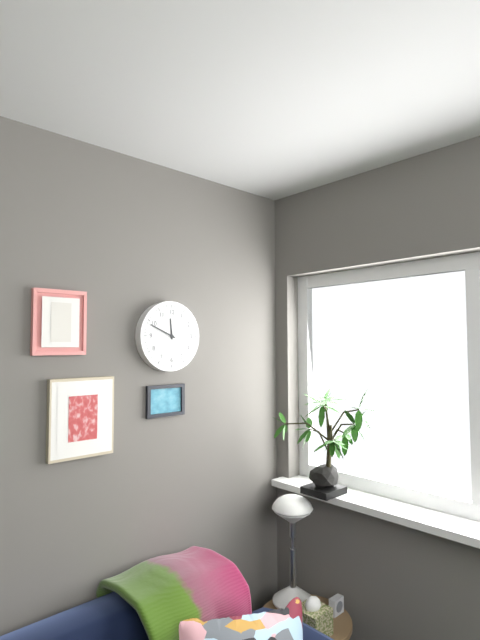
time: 11:49
